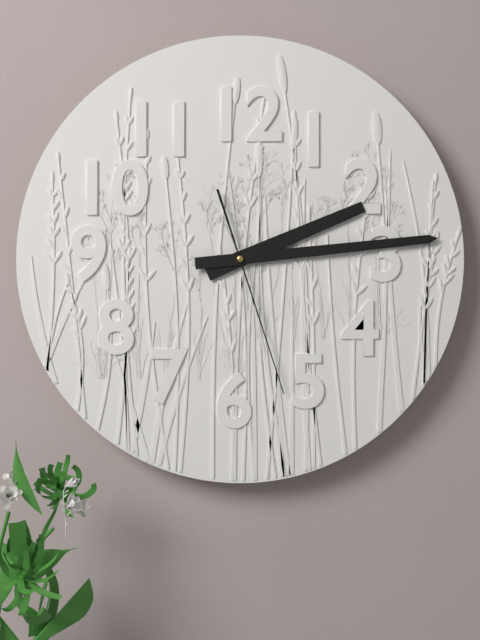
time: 2:14:27
